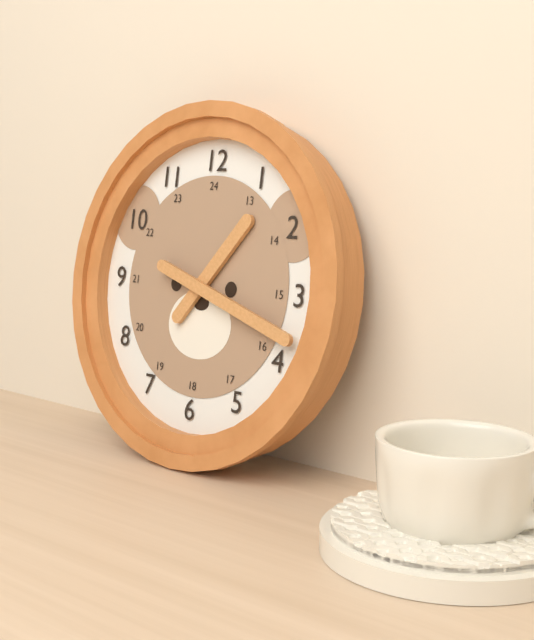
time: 1:18
